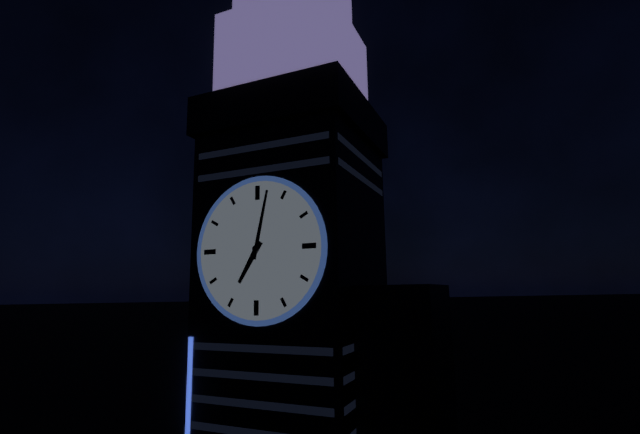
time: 7:02
